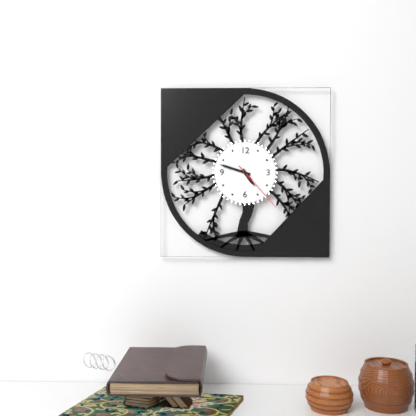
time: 4:48:23
